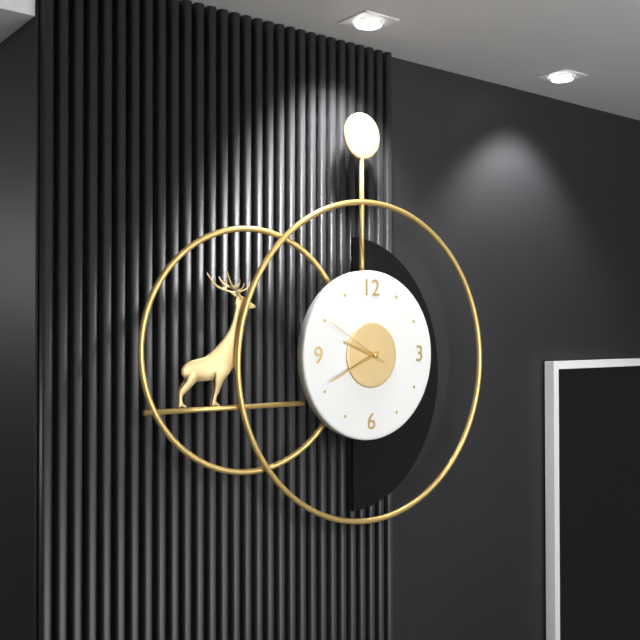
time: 9:41:50
